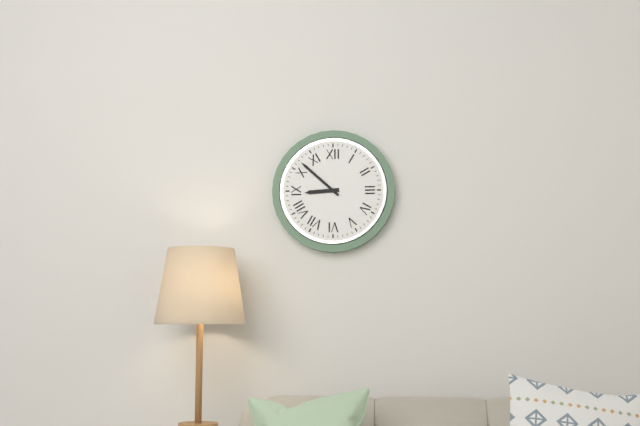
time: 8:52
